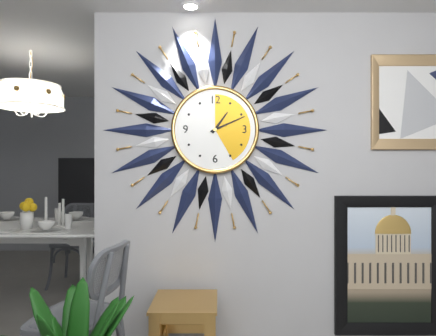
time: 1:11
